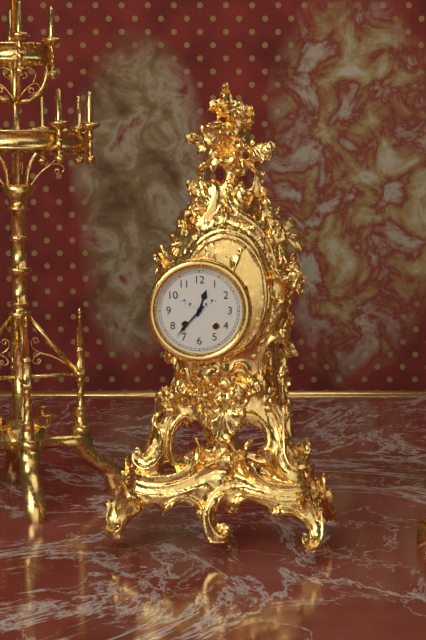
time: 12:37
